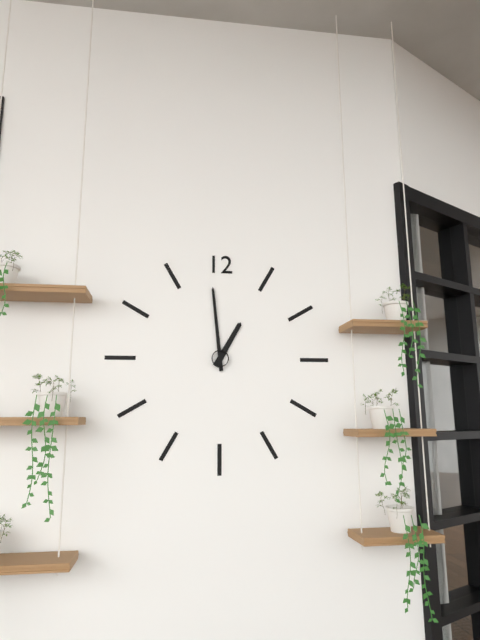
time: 12:59
